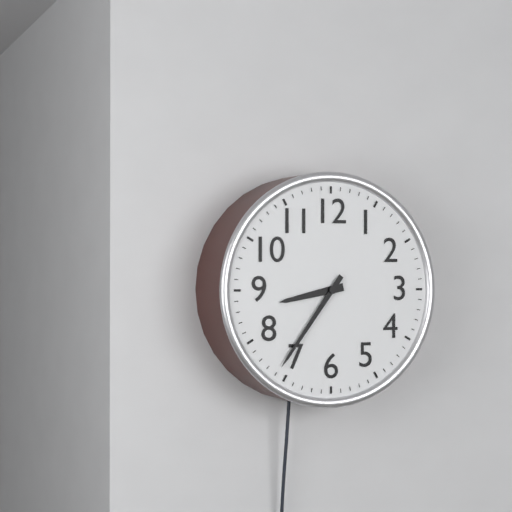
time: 8:36
